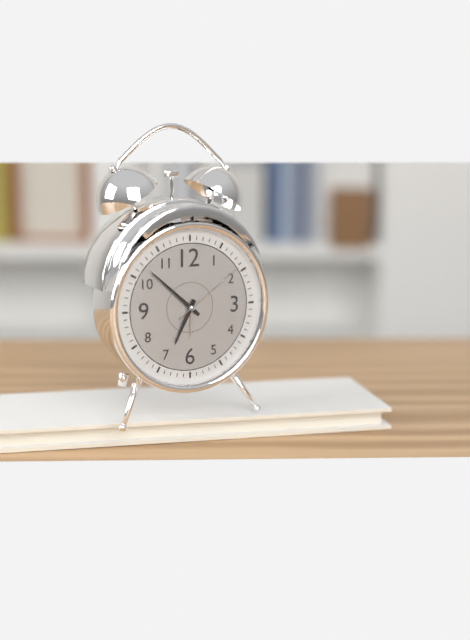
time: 6:52:09
